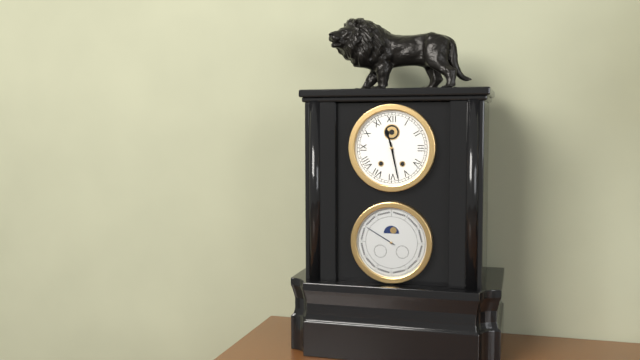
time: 11:28
